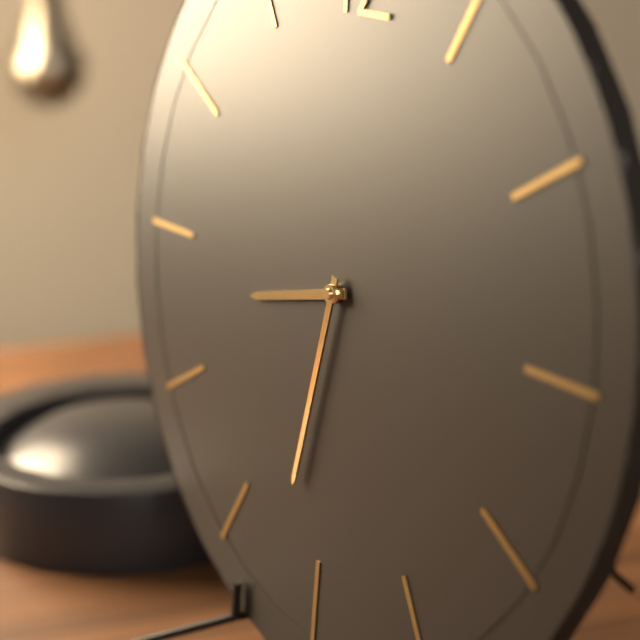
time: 8:32
